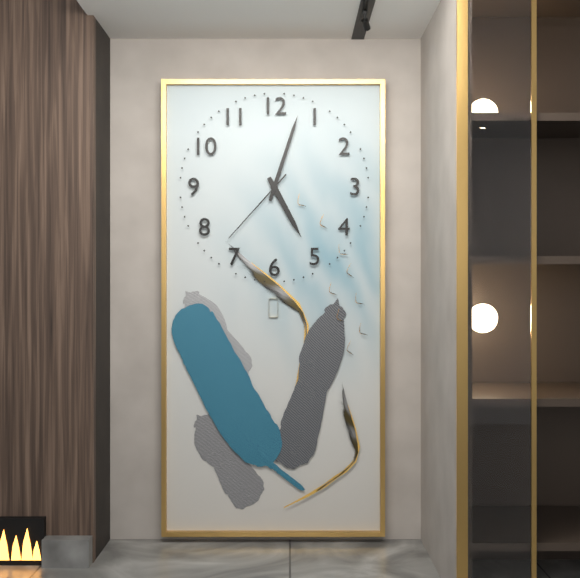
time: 5:03:37
